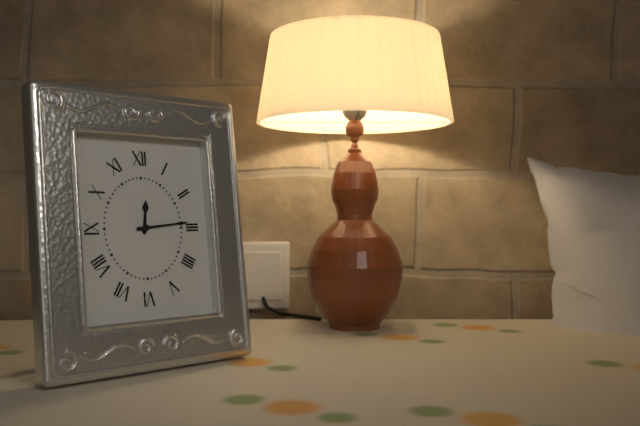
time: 12:14
